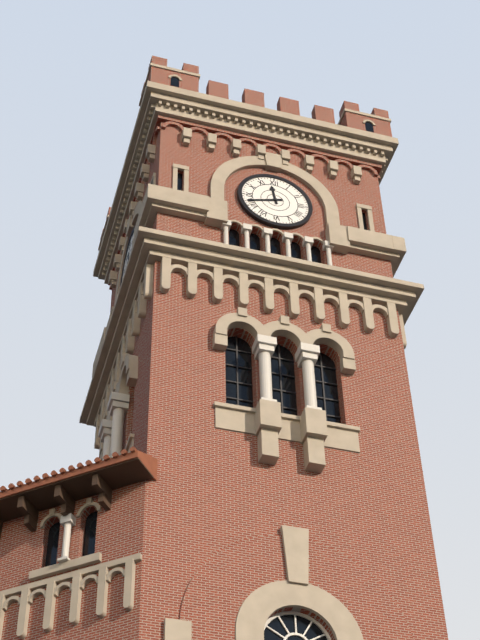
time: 11:42
